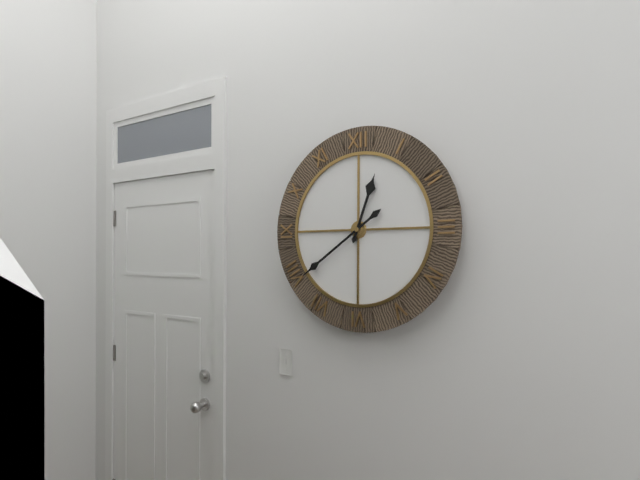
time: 12:39
